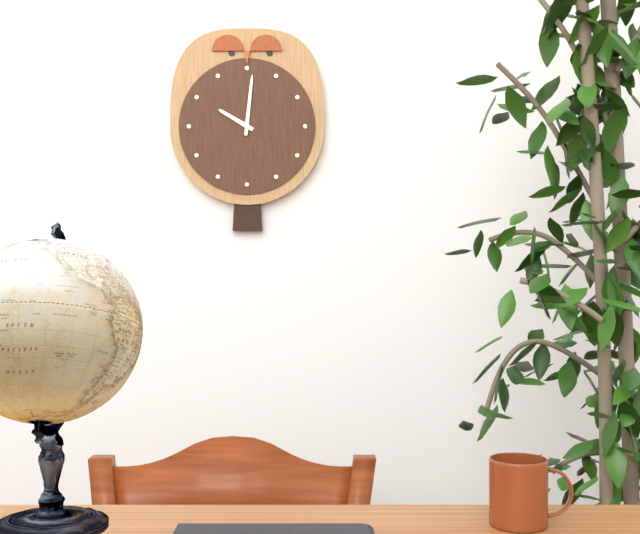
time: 10:01
